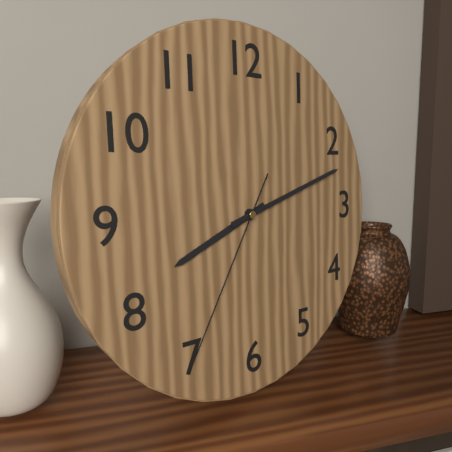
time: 8:12:35
